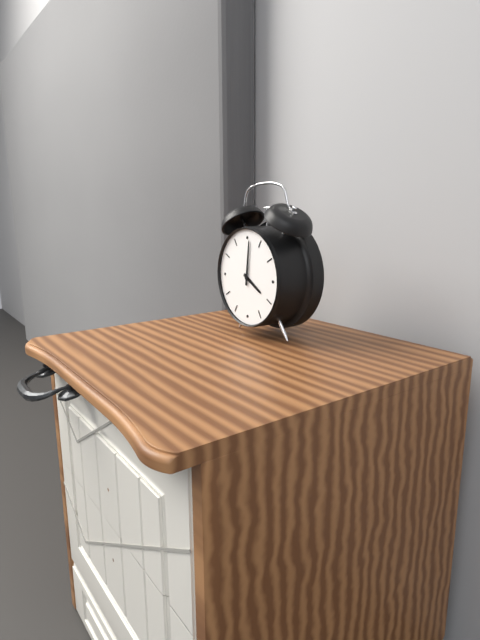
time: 4:01
